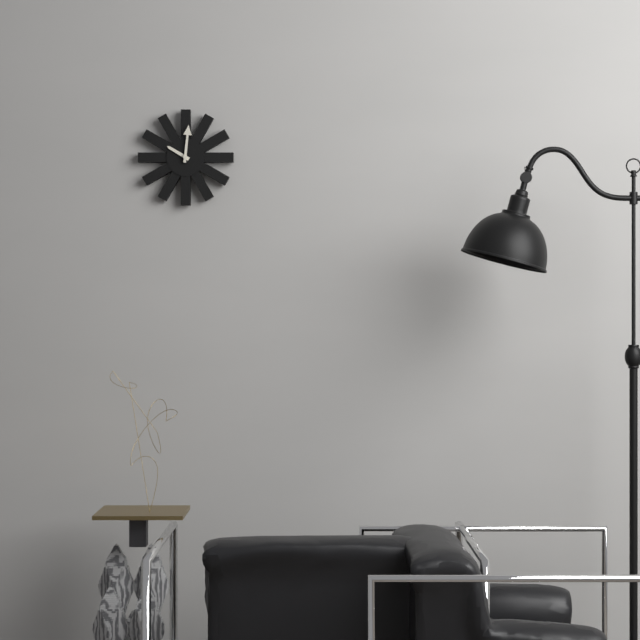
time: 10:01
